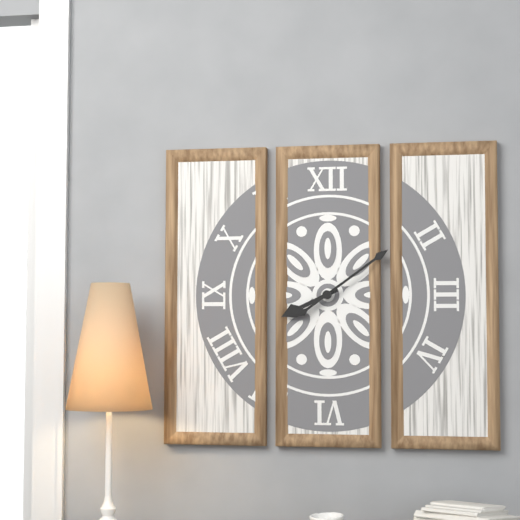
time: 8:09
